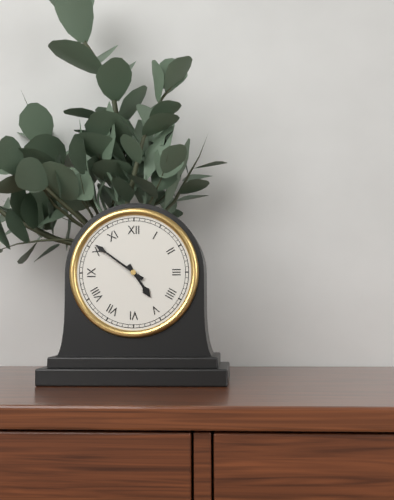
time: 4:51
